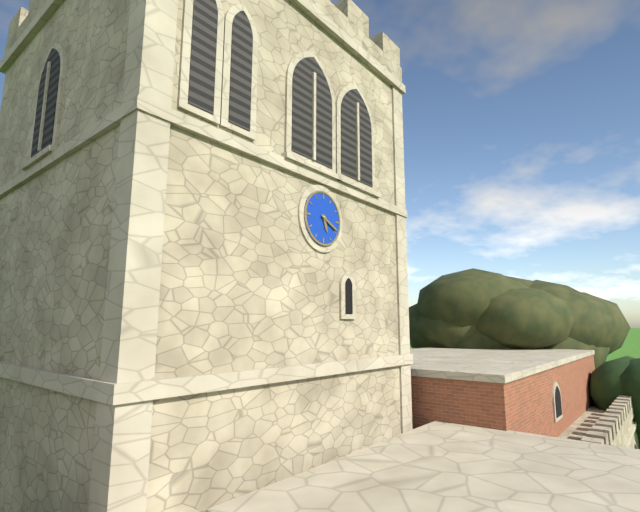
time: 5:19
